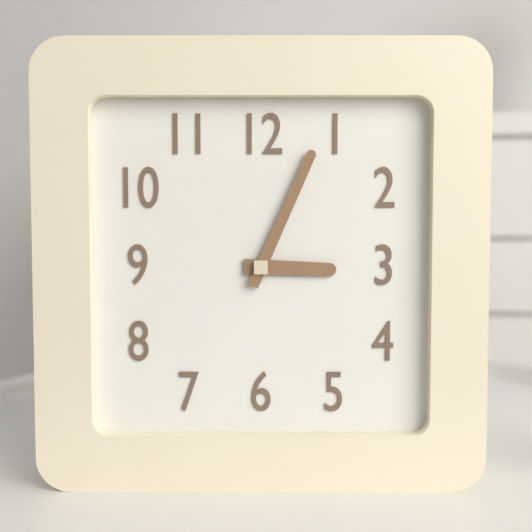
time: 3:04
